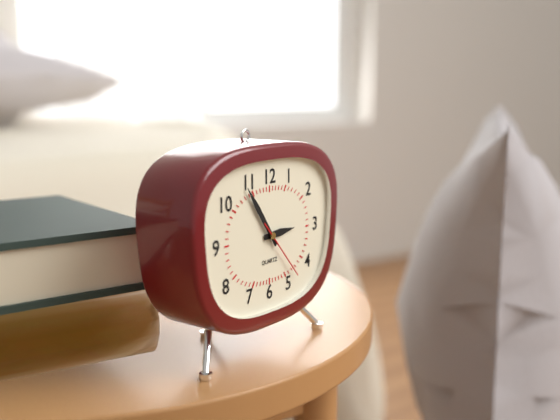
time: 2:54:23
